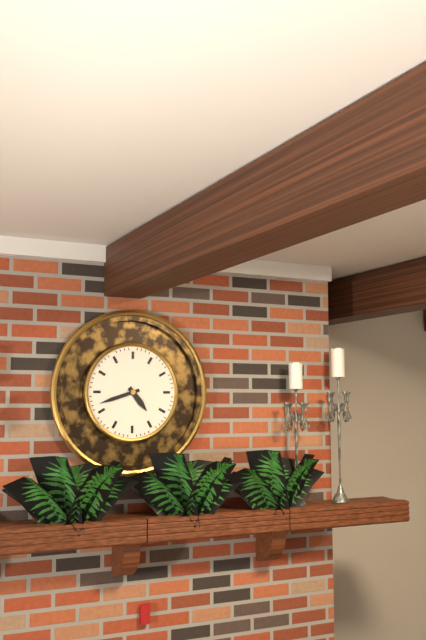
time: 4:42
